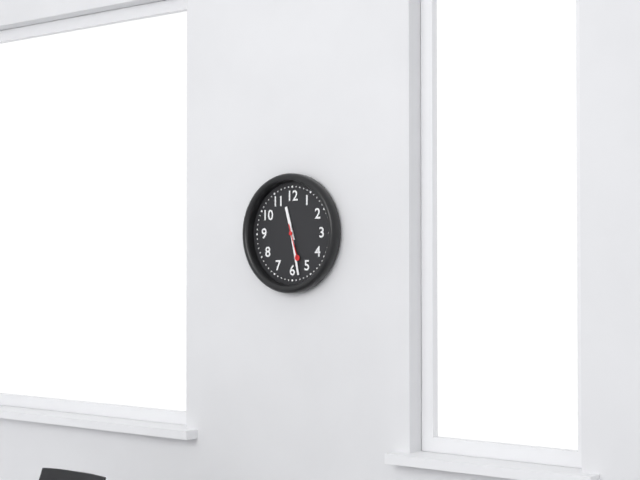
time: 11:28
